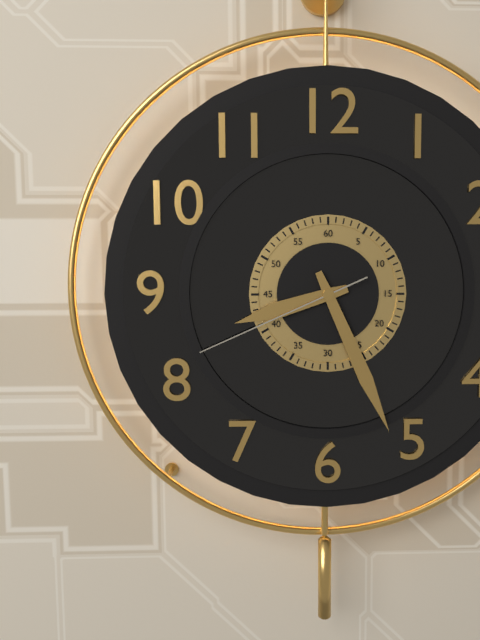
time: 8:26:41
